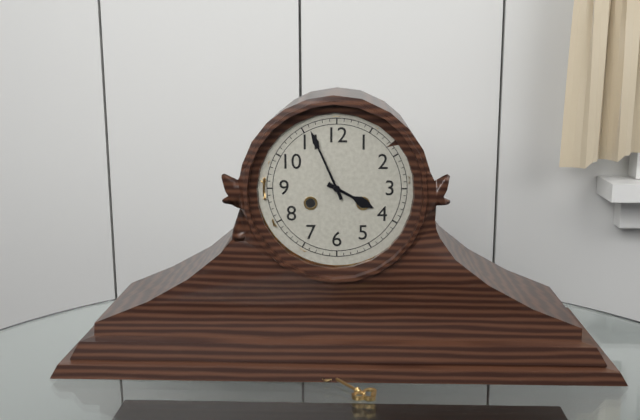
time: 3:56
